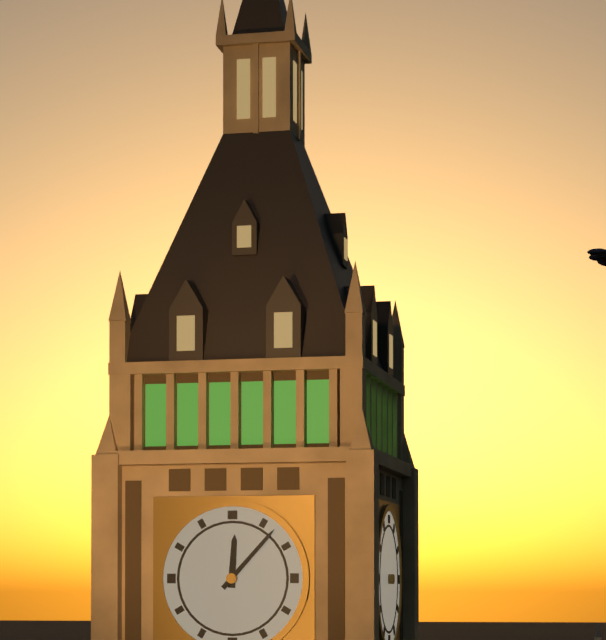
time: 12:07
